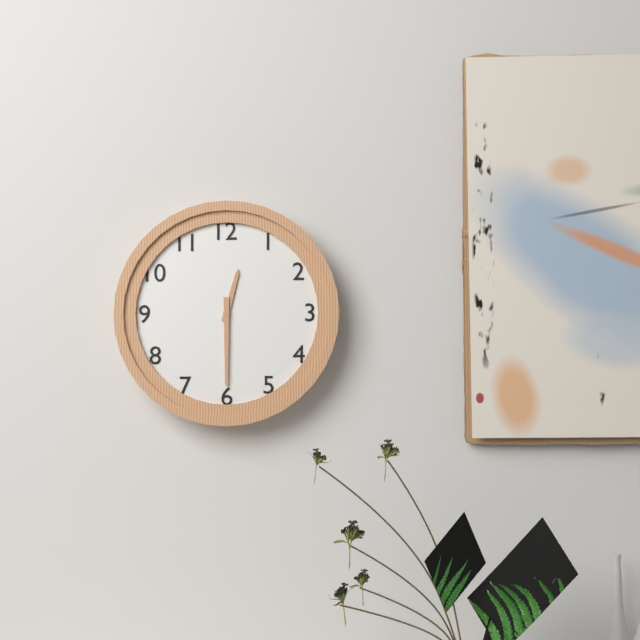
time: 12:30
